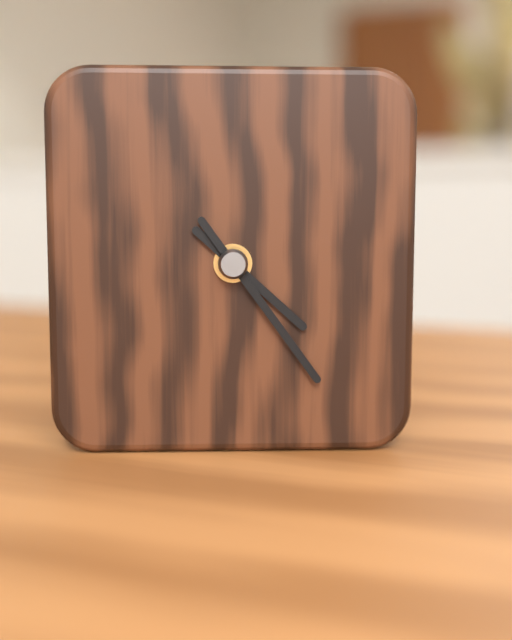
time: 4:24
